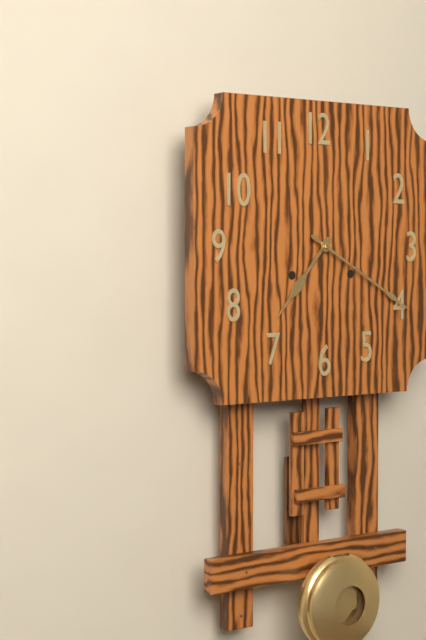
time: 7:20
